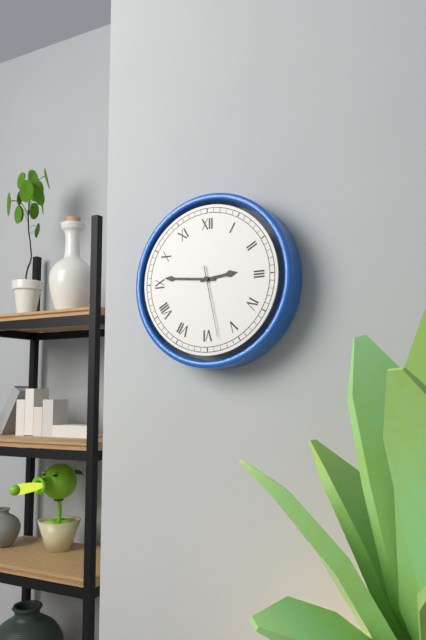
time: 2:46:28
